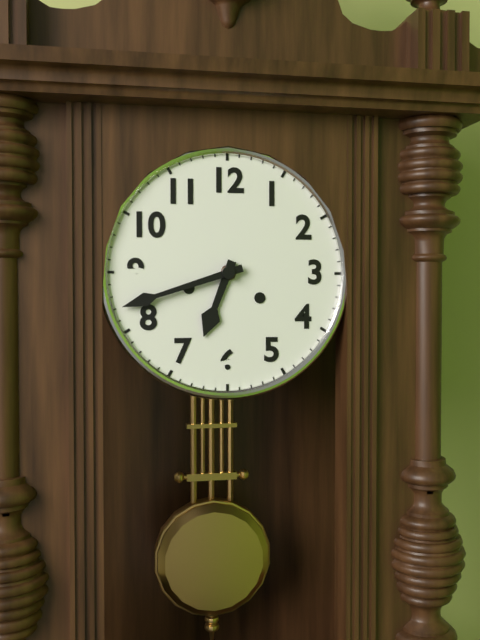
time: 6:42
